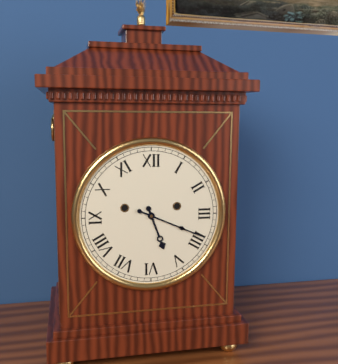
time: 5:19
